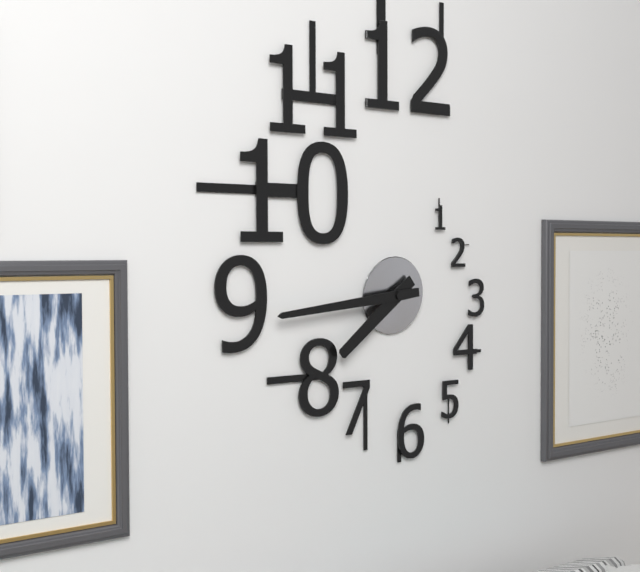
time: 7:44
